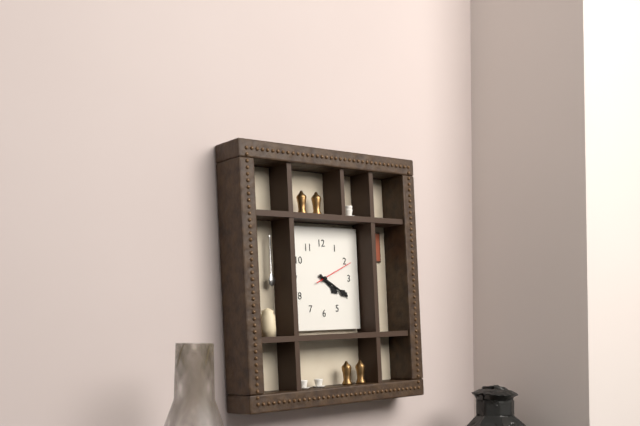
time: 4:20
